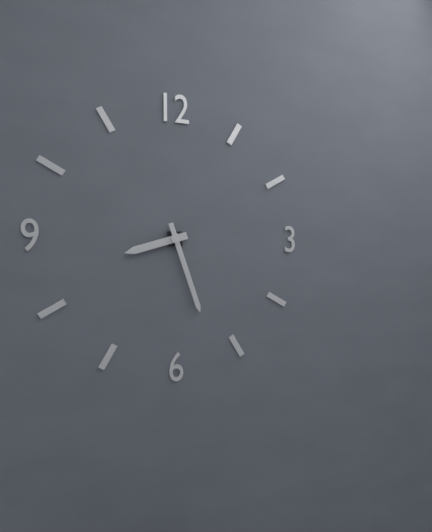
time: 8:27
